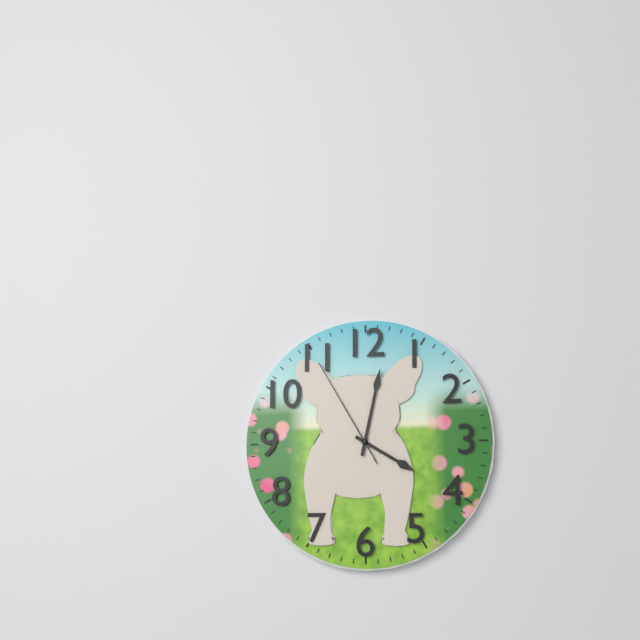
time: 4:02:55
